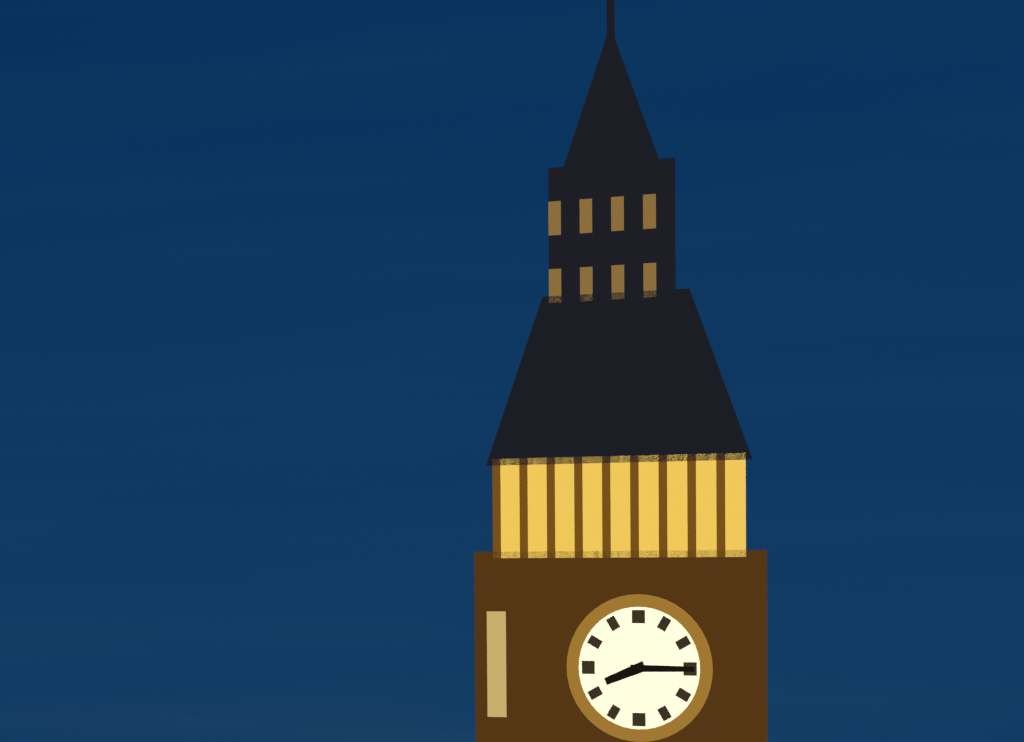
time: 8:15
